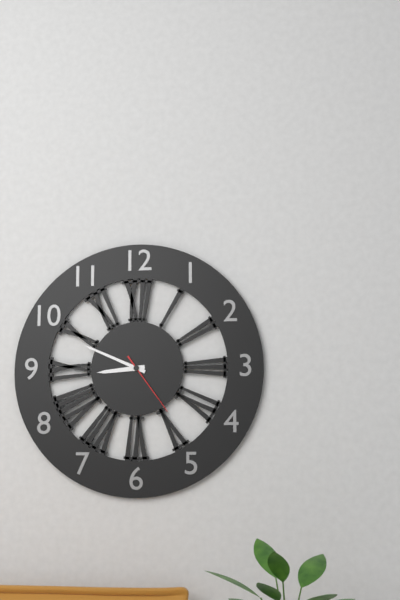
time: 8:49:24
